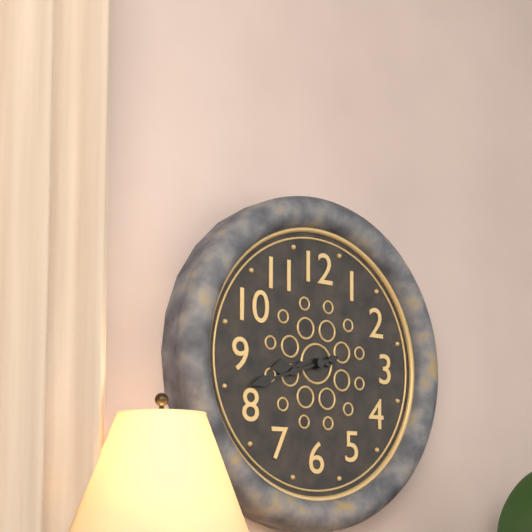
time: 8:42
